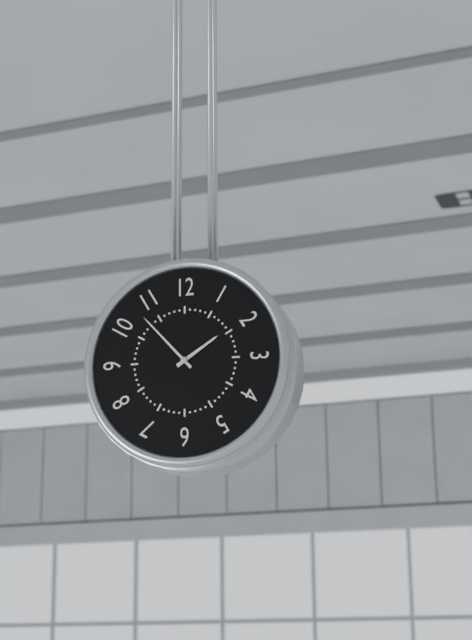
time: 1:53
